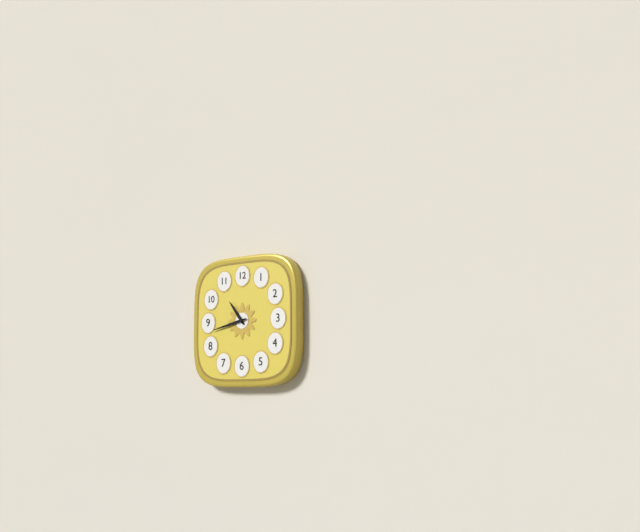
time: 10:43
